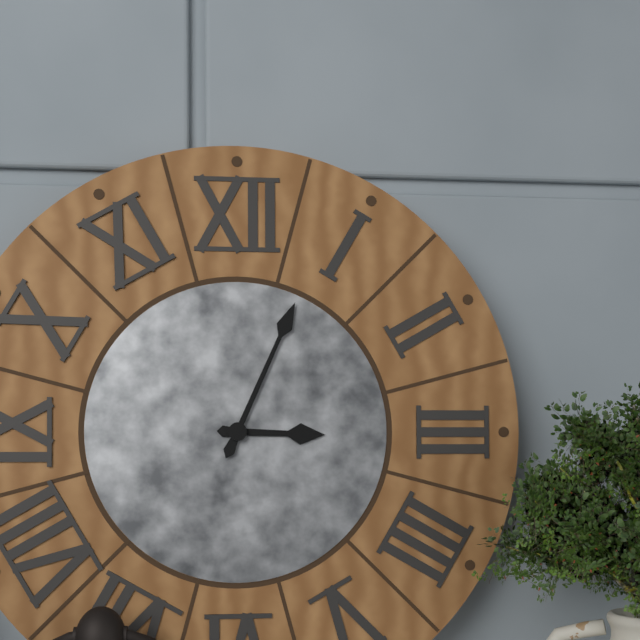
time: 3:04
